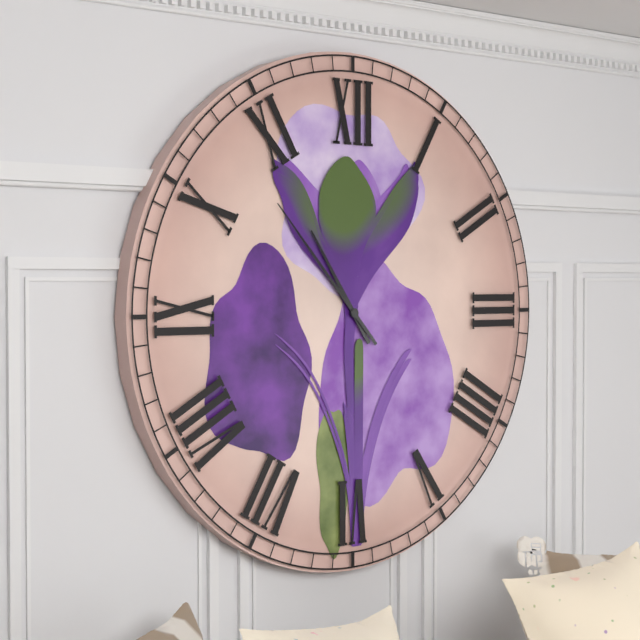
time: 10:53
